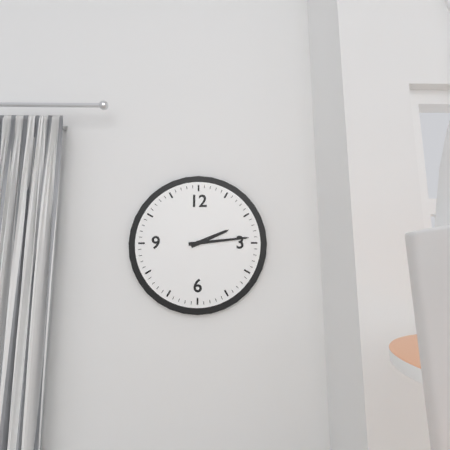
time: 2:14
